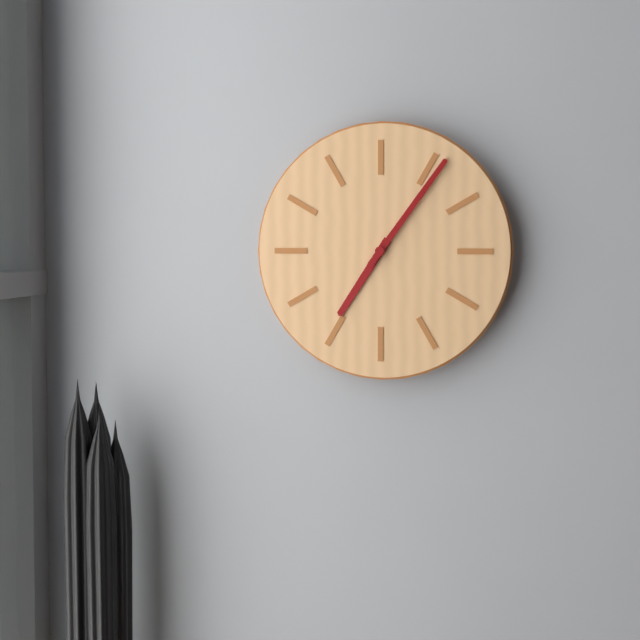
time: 7:06
